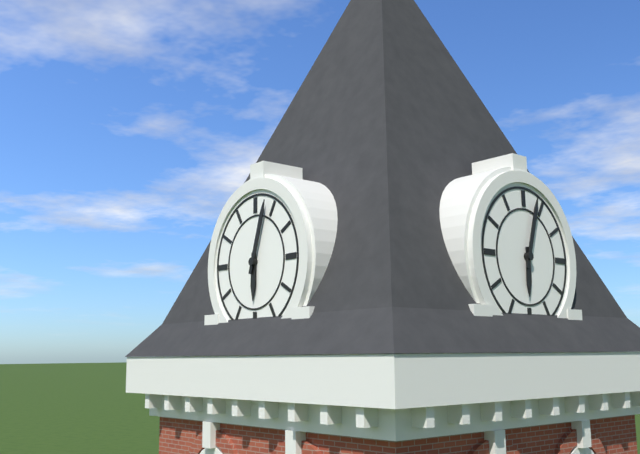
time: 6:03
